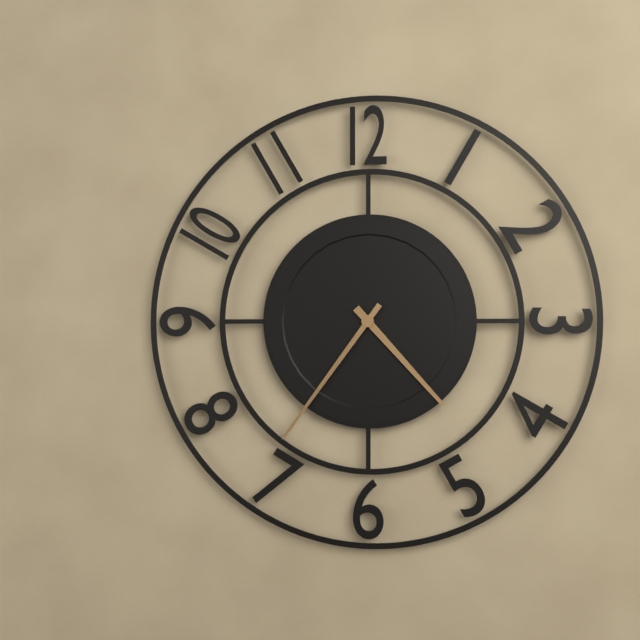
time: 4:36
